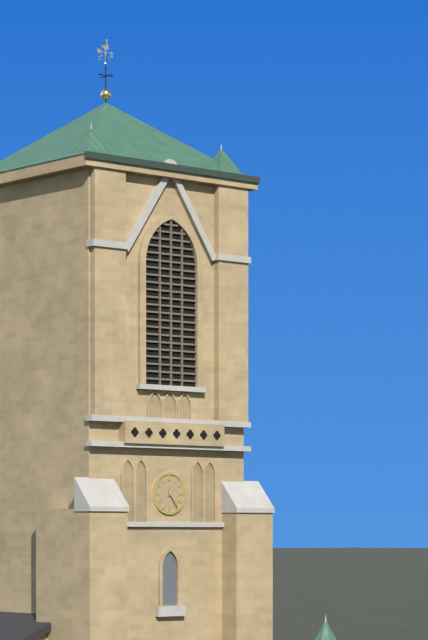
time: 12:24
